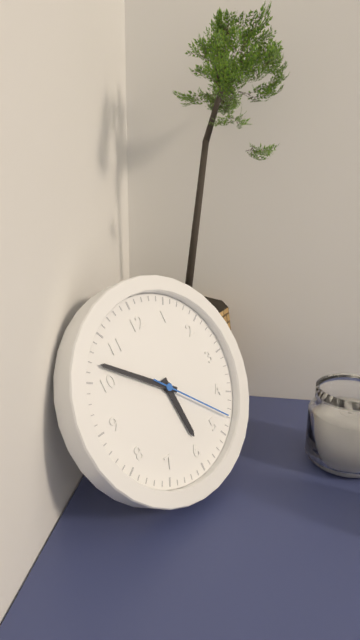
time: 5:52:23
